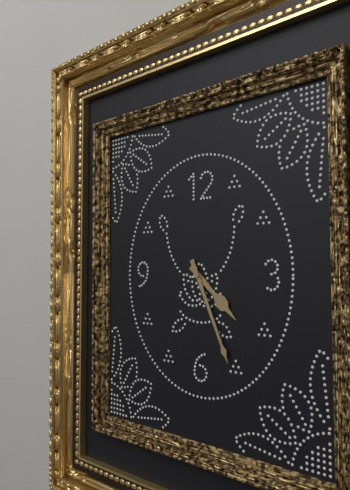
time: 4:26
